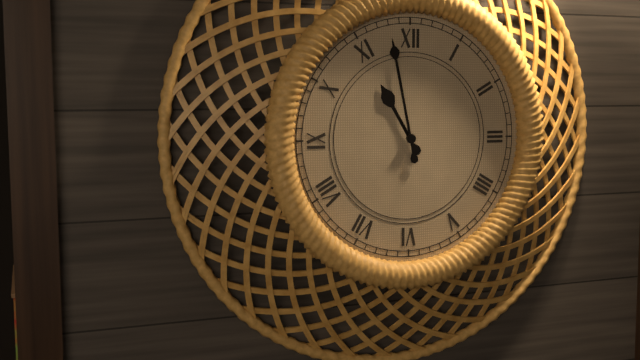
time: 10:58
